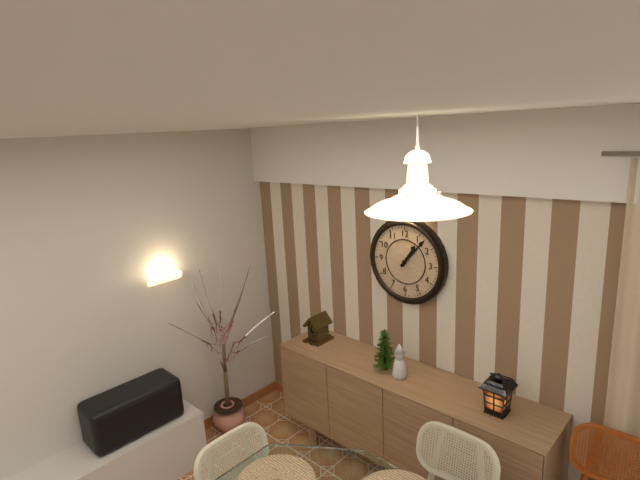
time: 1:07
